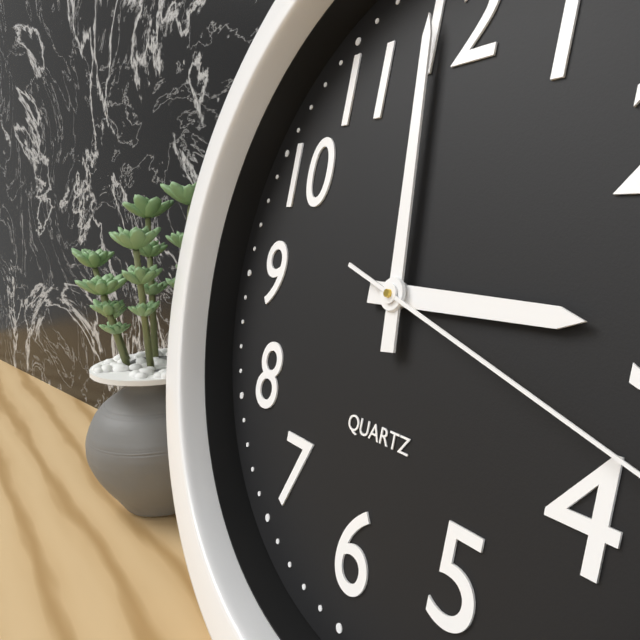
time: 2:59
